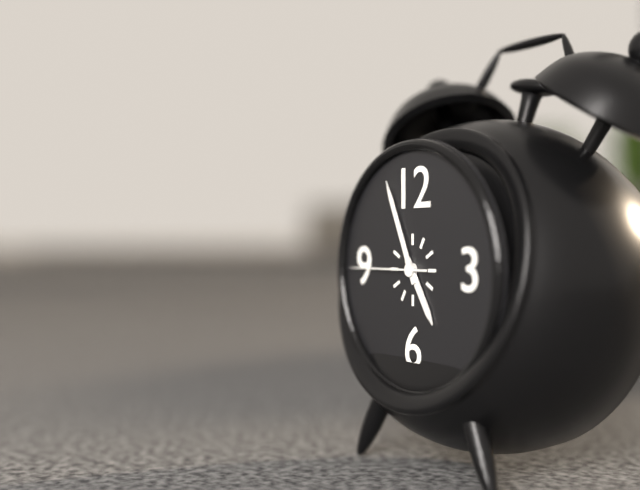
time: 4:56:45
